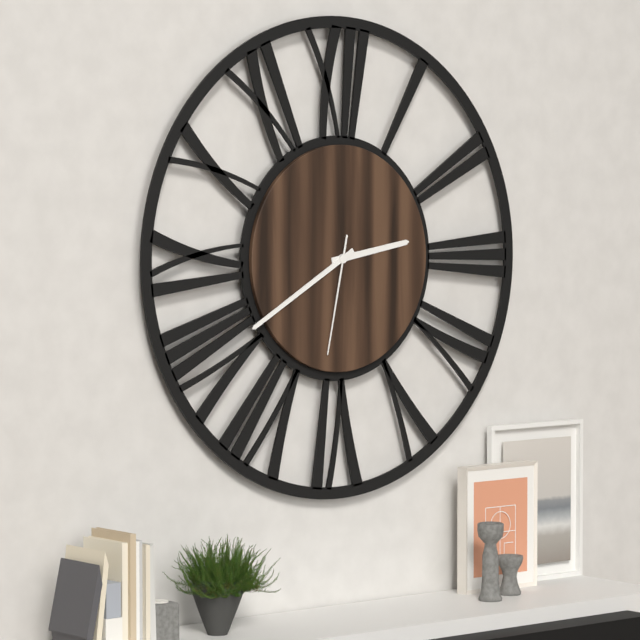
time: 2:40:32
